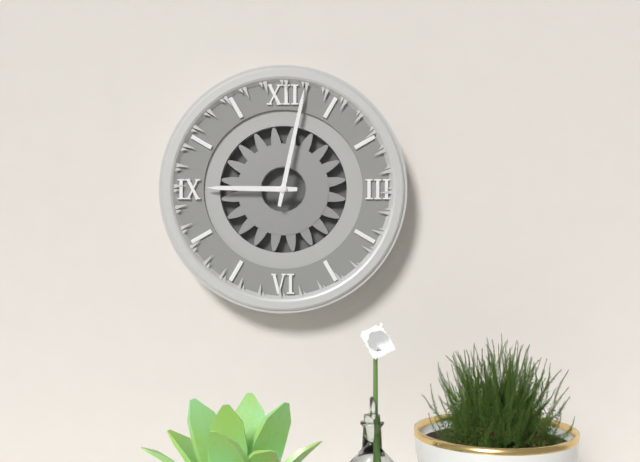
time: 9:02
